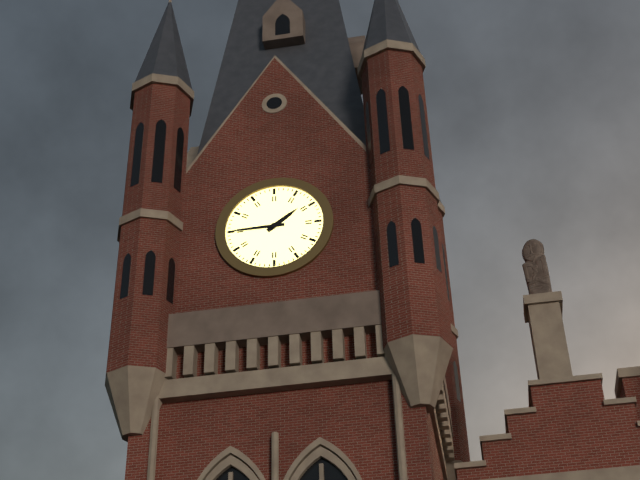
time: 1:45
